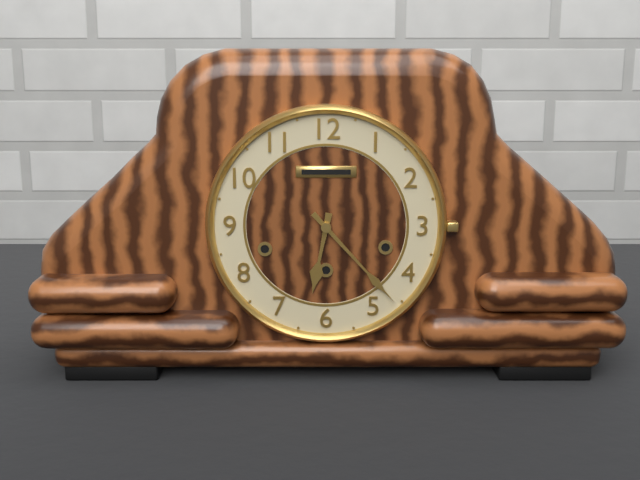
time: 6:23
